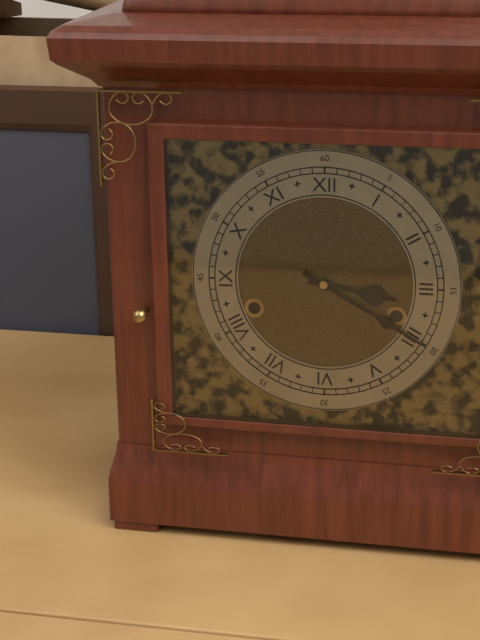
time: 3:20
